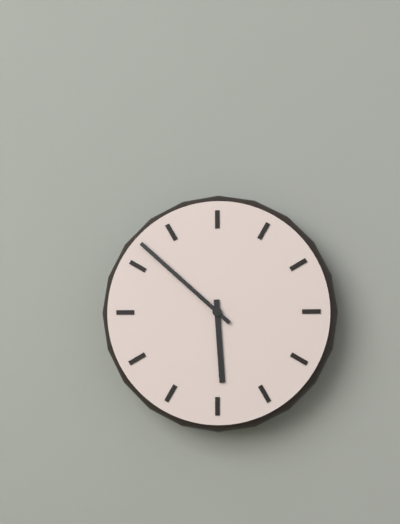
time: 5:52
